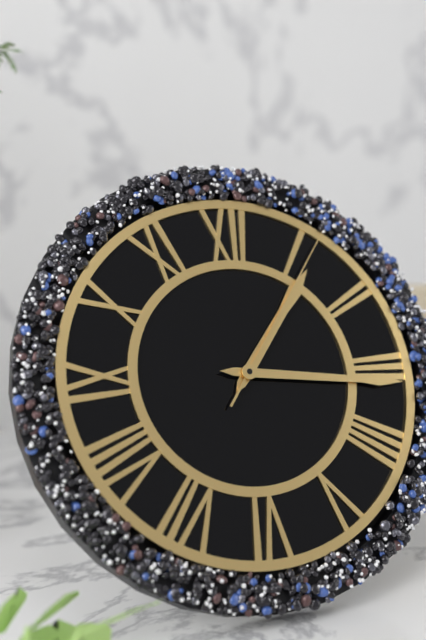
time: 1:16:06
